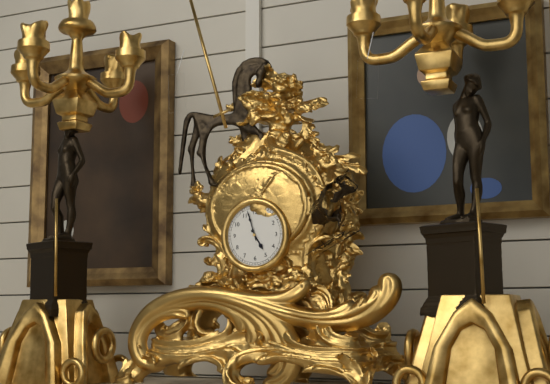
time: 4:57
